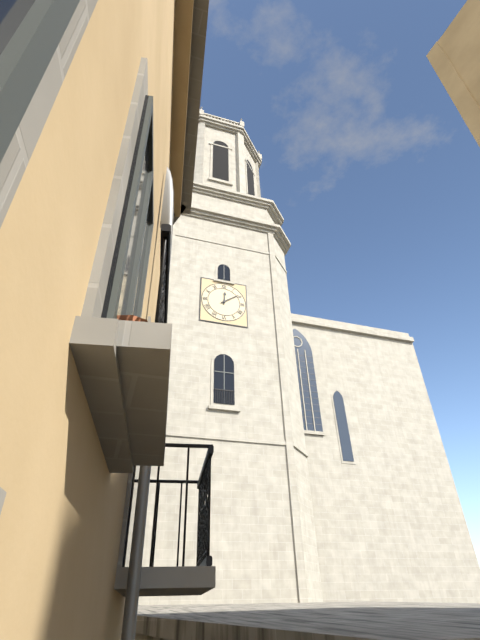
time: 12:09
